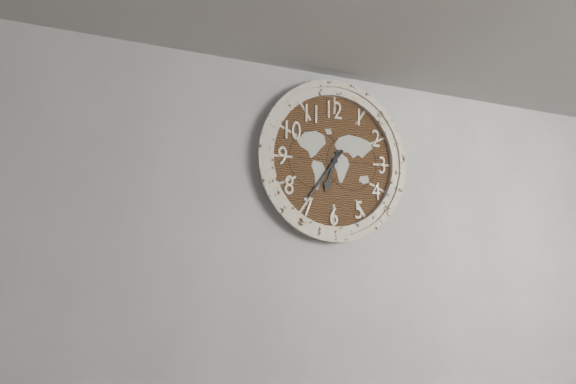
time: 6:36
